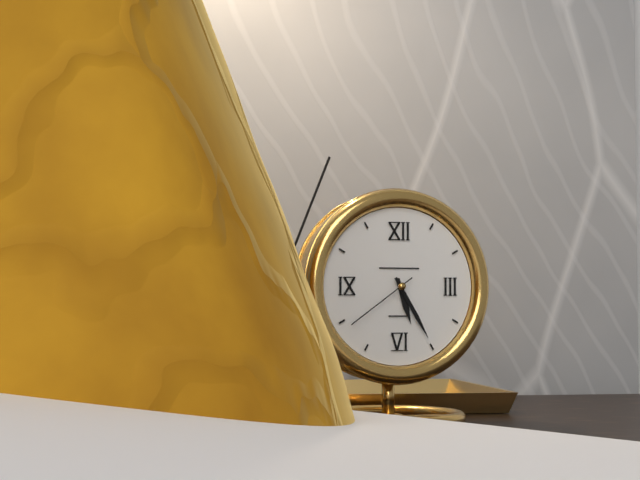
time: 5:25:39
